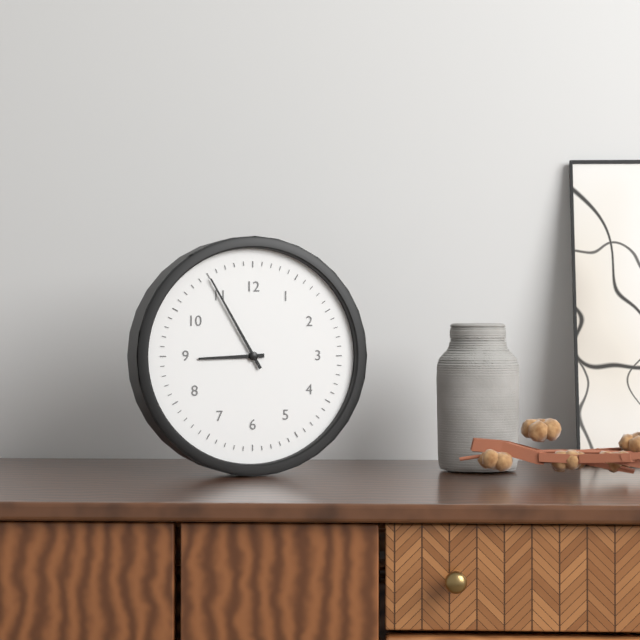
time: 8:55
